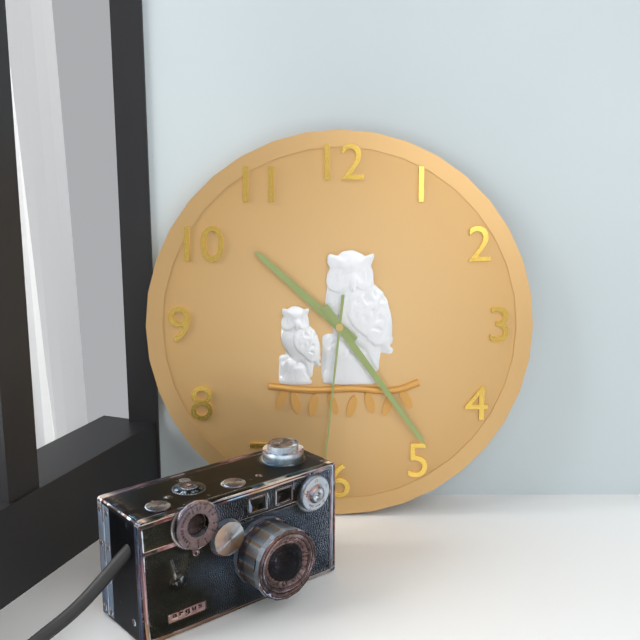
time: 10:24:31
